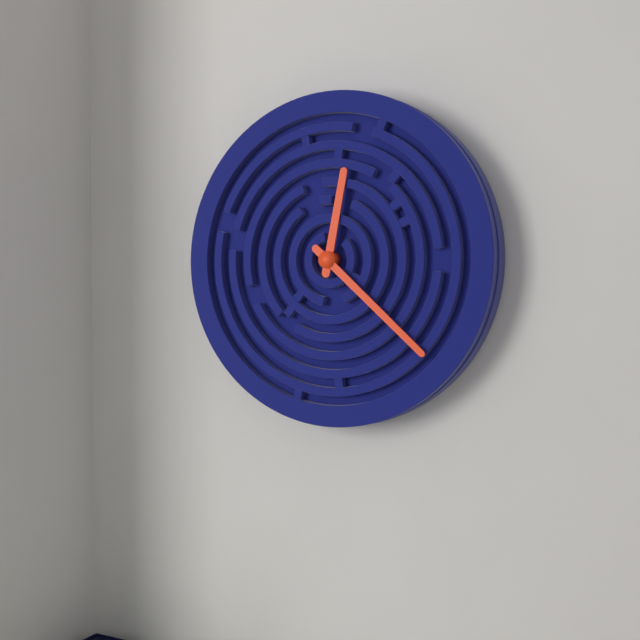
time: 12:22
